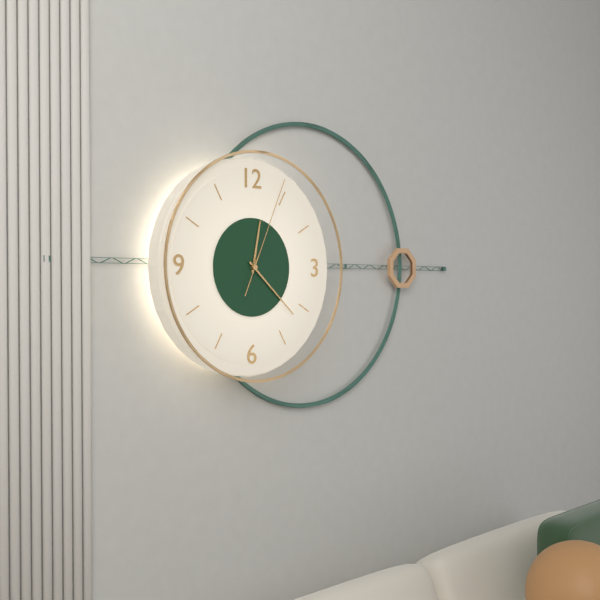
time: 12:22:04
